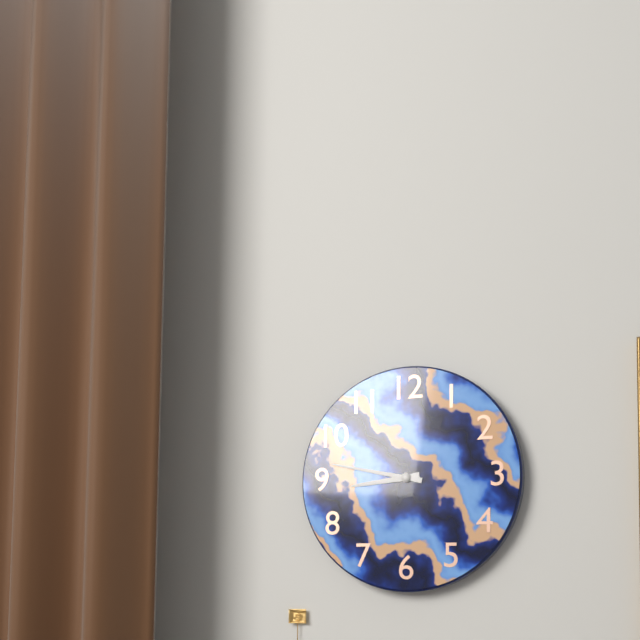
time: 8:47
